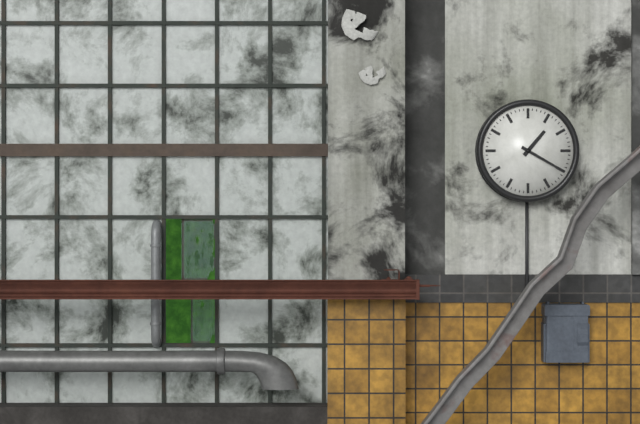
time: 1:20
